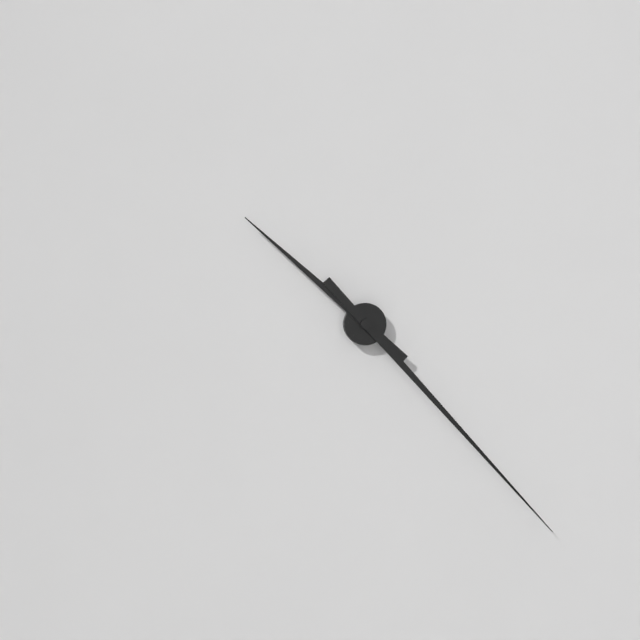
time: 10:23
